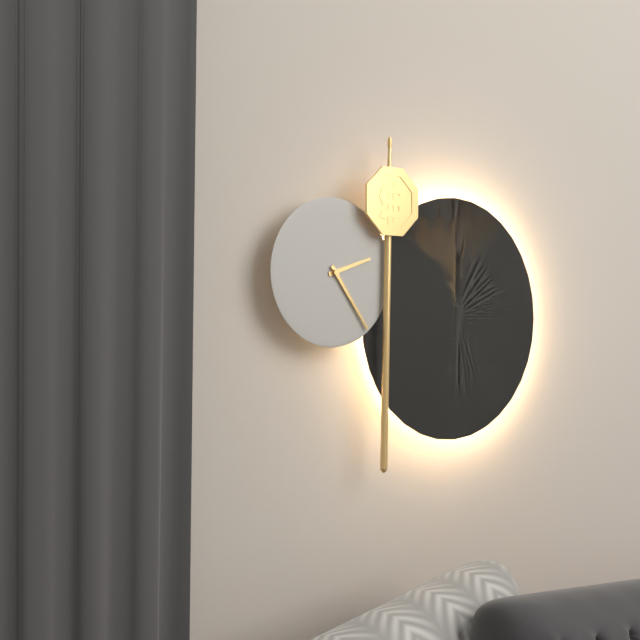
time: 2:24
